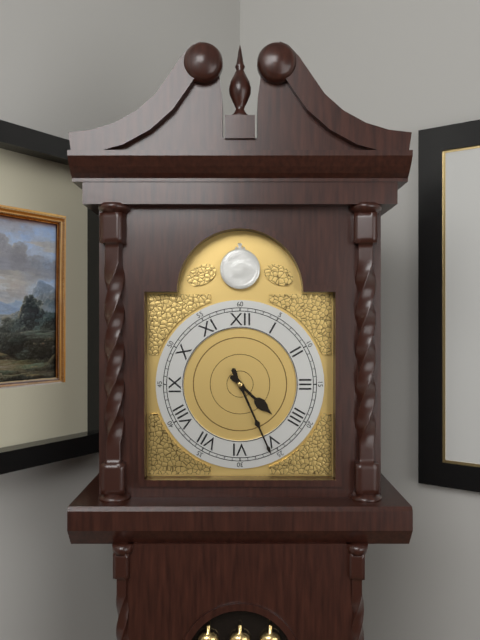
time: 4:26
